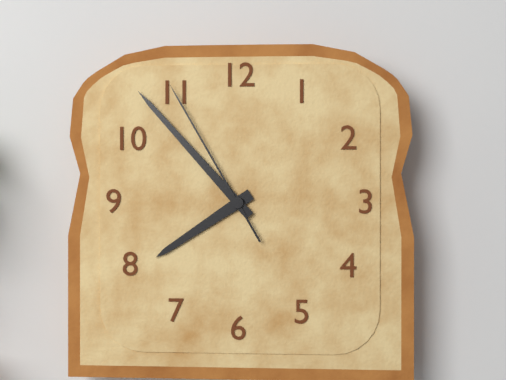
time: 7:53:55
